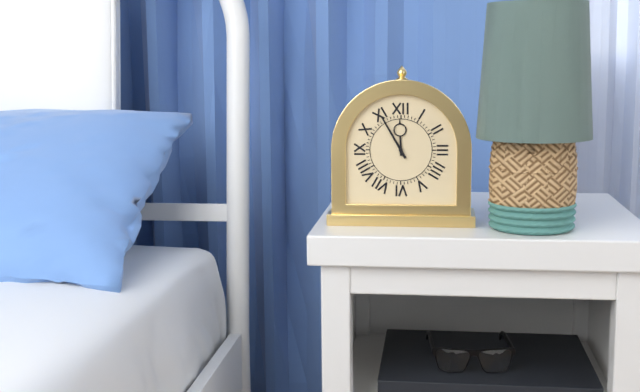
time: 11:55
